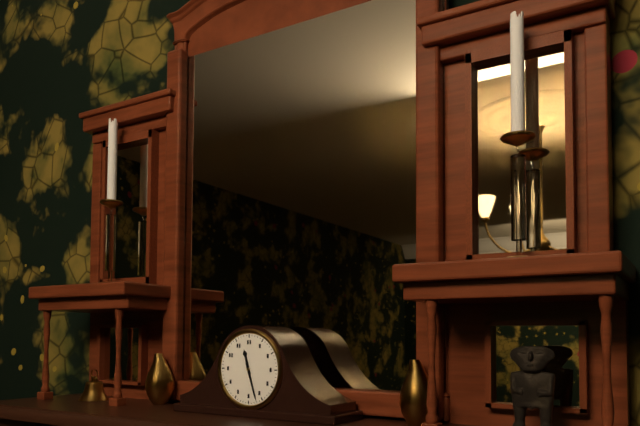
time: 11:27
